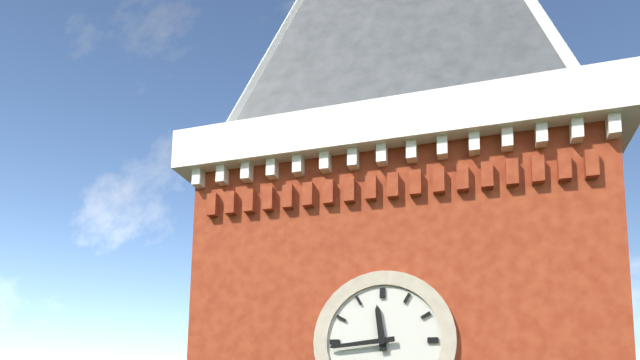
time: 11:44
